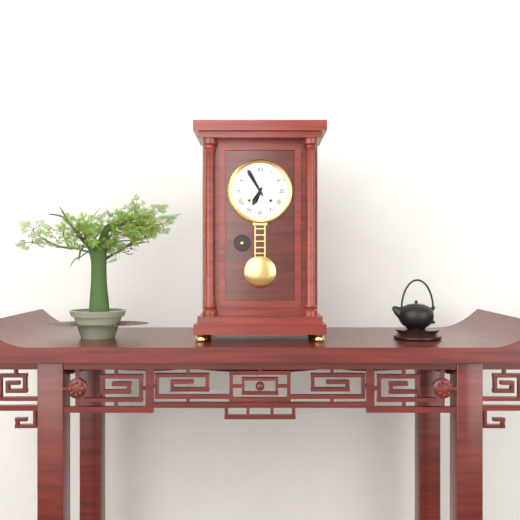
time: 6:55
